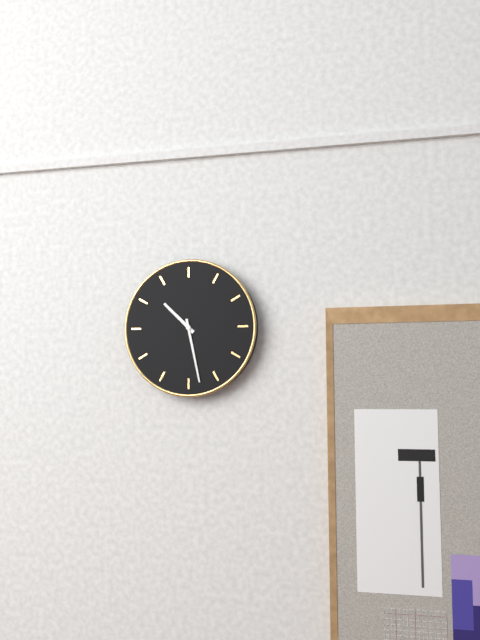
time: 10:28
